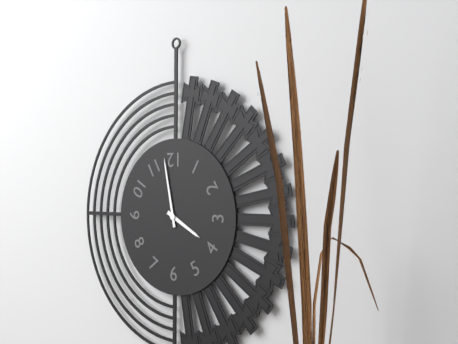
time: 3:58
